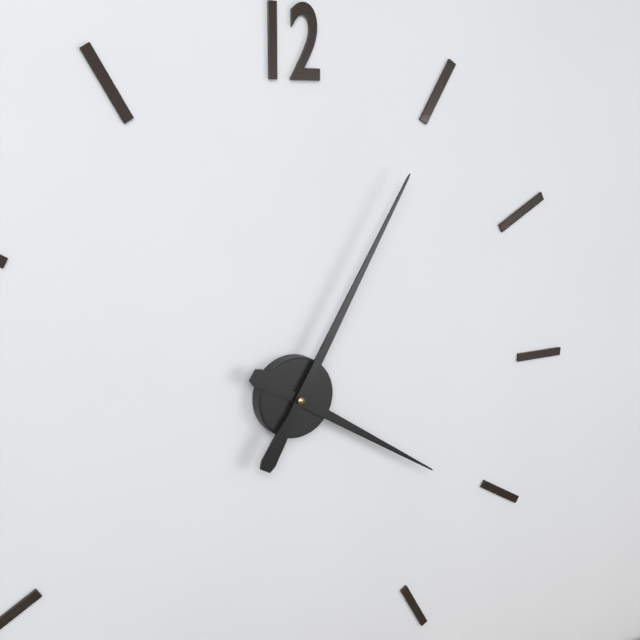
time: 4:05
